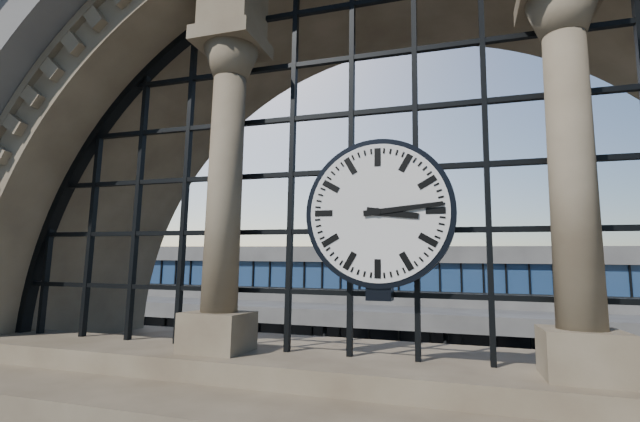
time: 3:14
